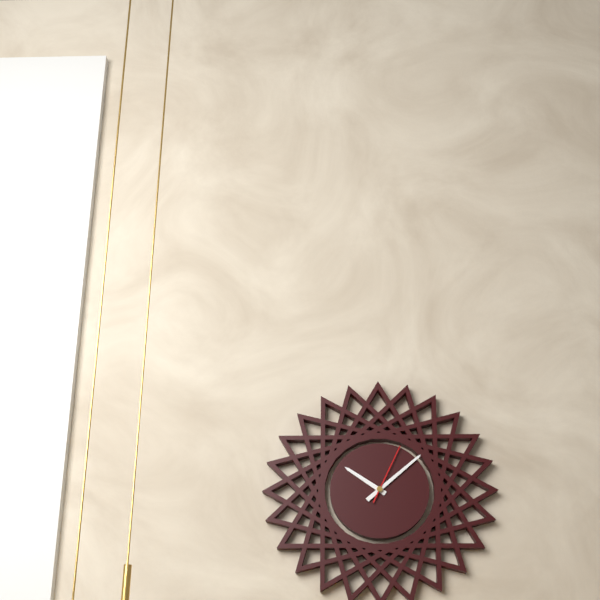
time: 10:08:04
